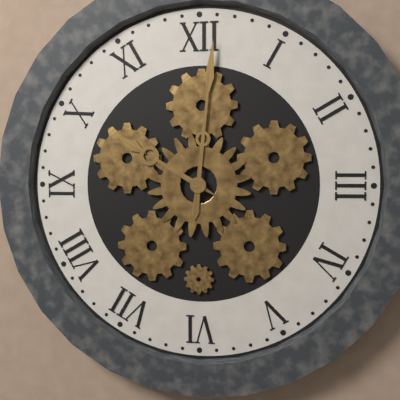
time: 10:01
